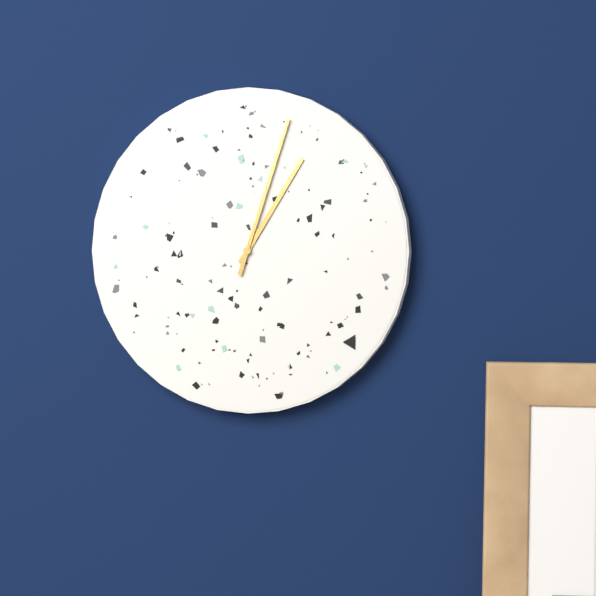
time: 1:03
